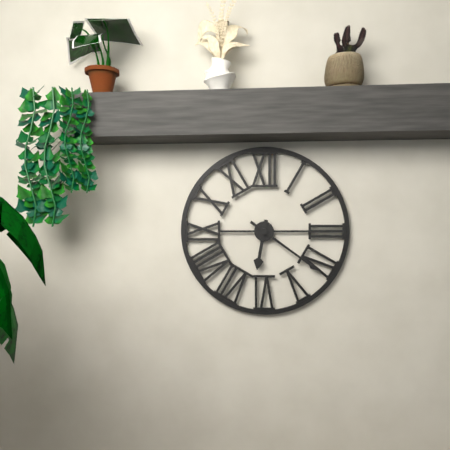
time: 6:21
